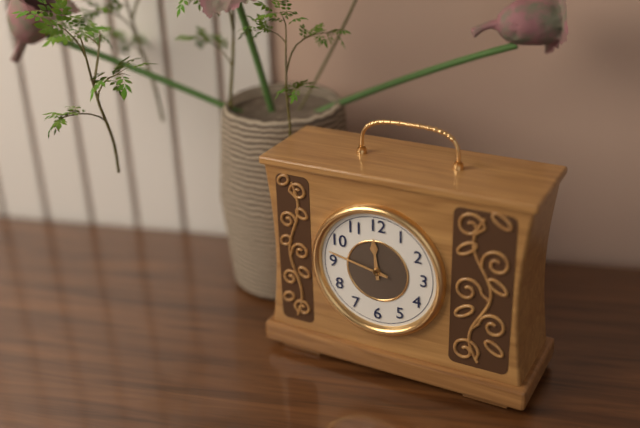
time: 11:47
